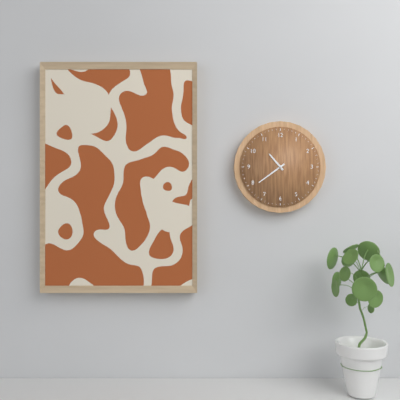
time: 10:39
